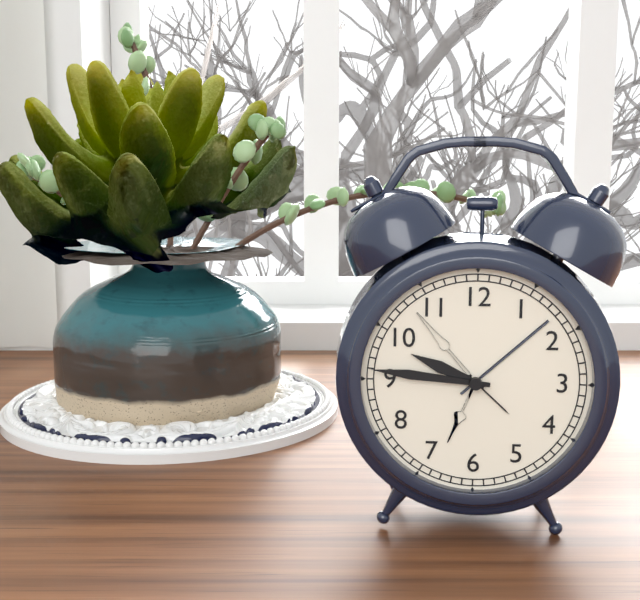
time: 9:46
